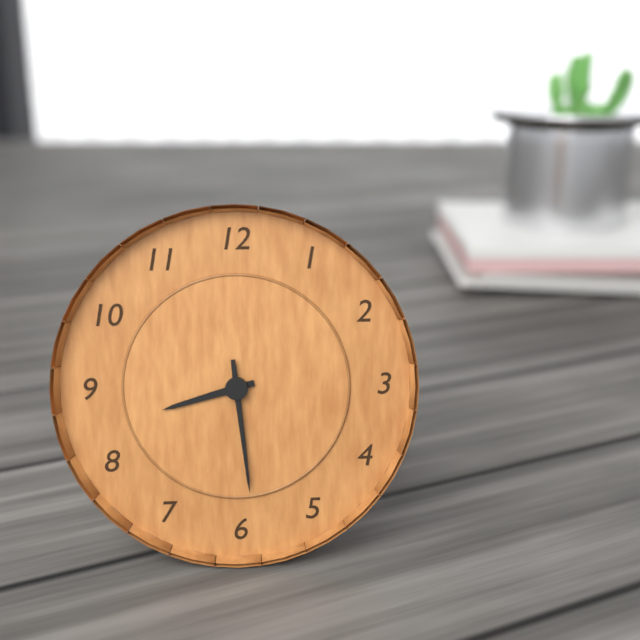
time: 8:29
